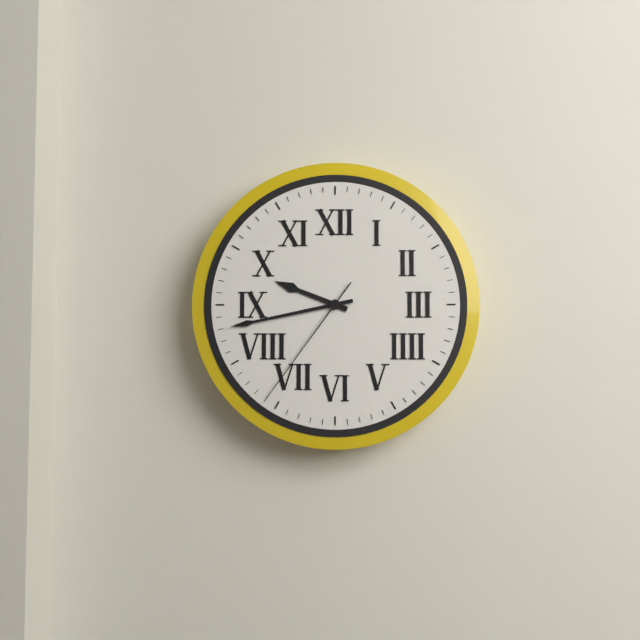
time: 9:43:36
